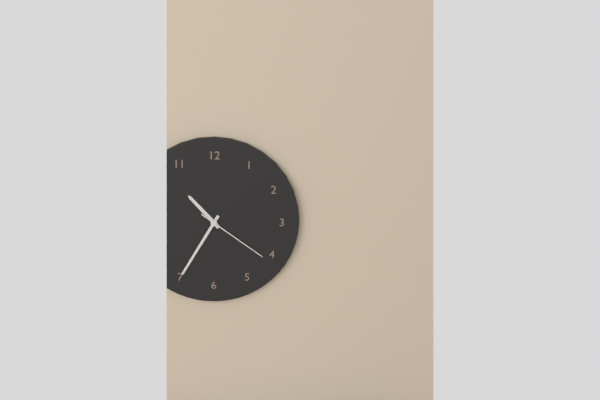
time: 10:35:21
